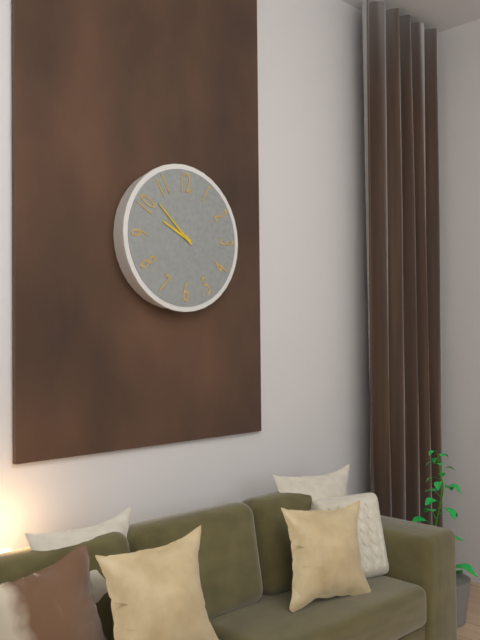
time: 9:52
